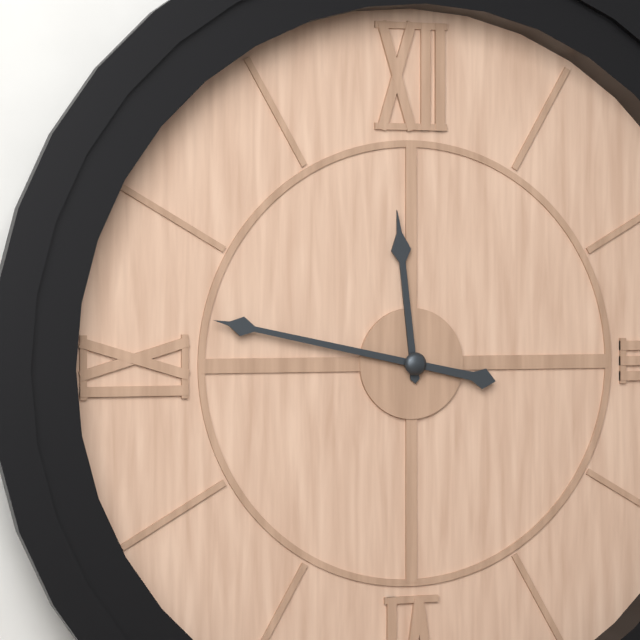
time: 11:47
